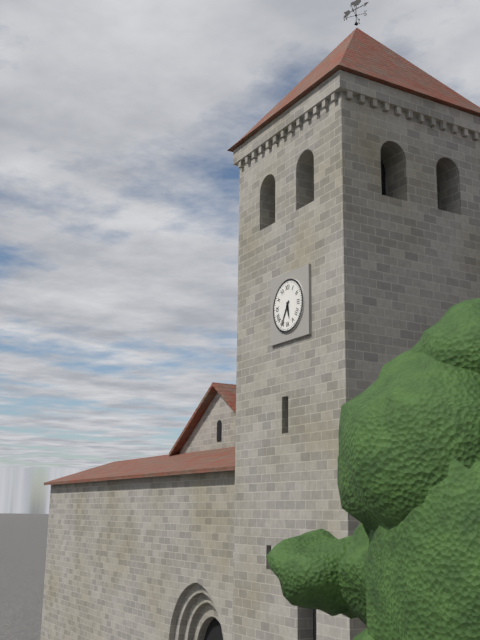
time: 5:35
